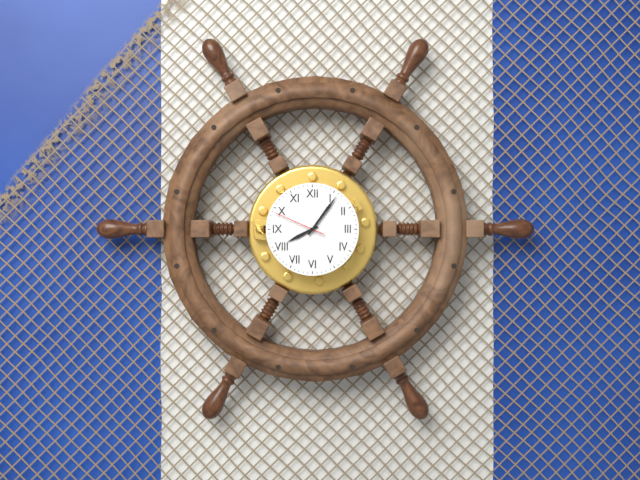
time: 8:06:49
